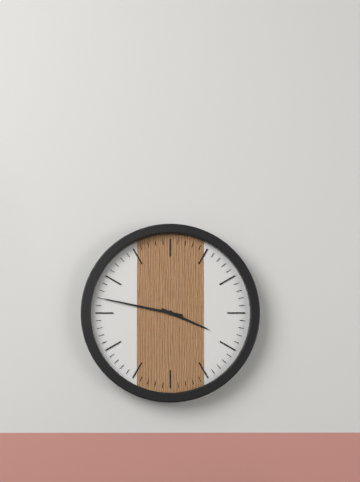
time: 3:47
